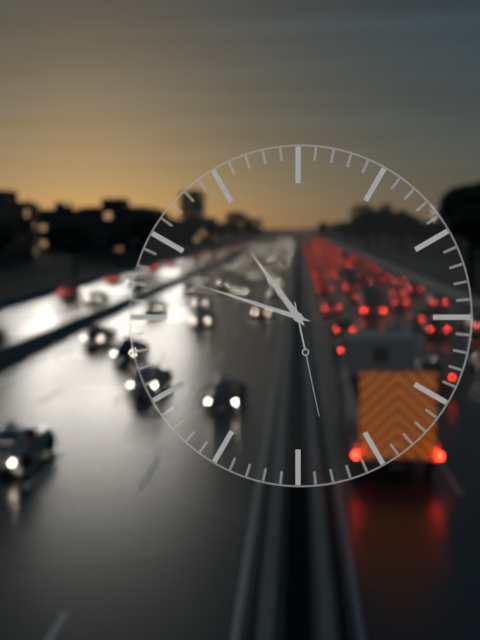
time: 10:48:28
